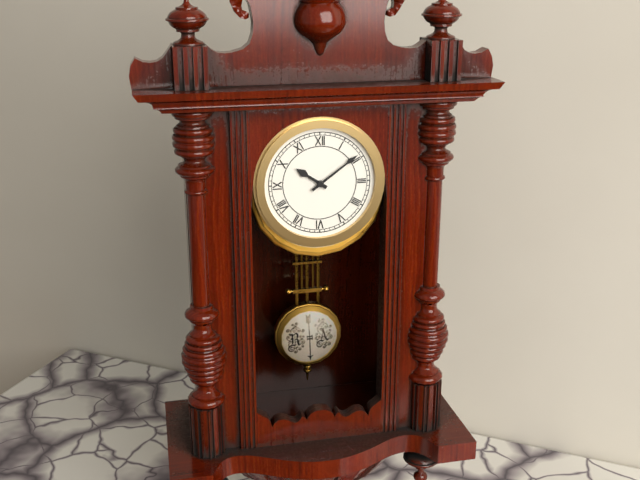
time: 10:09
